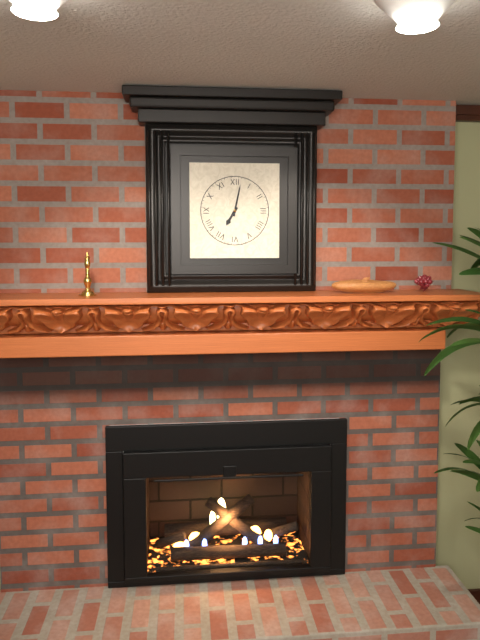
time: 7:02
